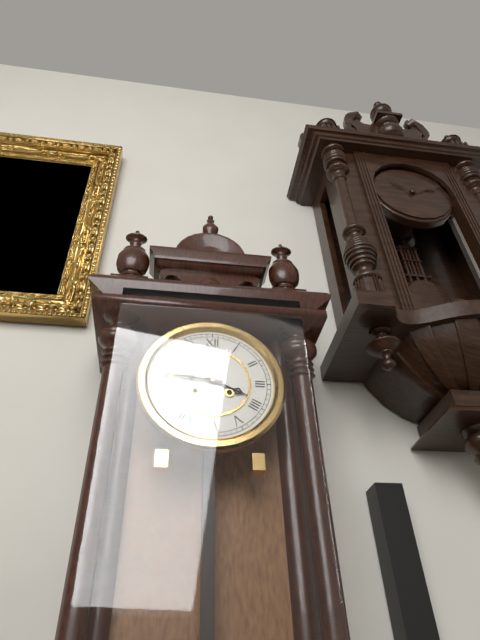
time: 3:46
